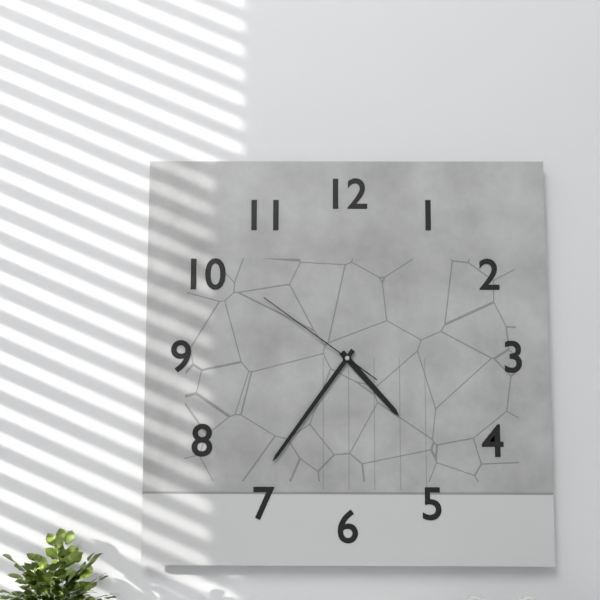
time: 4:36:51
